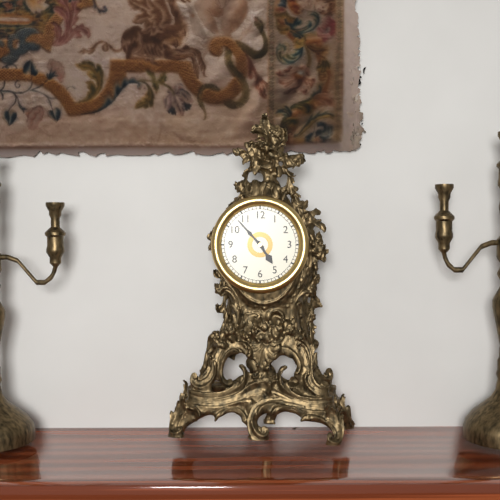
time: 4:53
